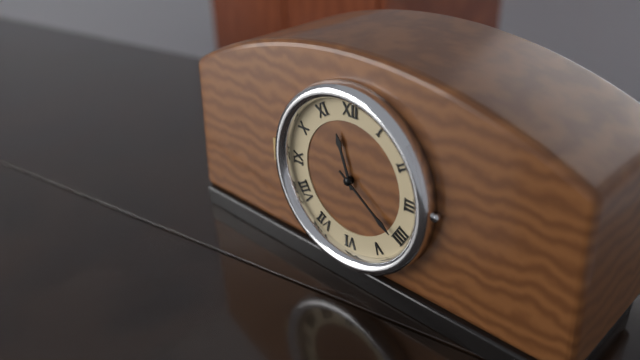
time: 11:21
